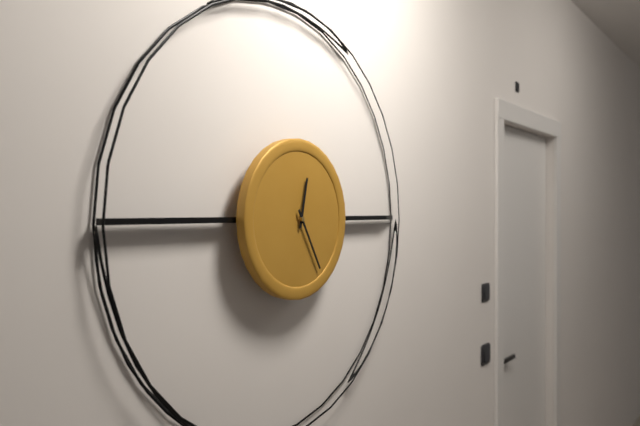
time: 12:25
